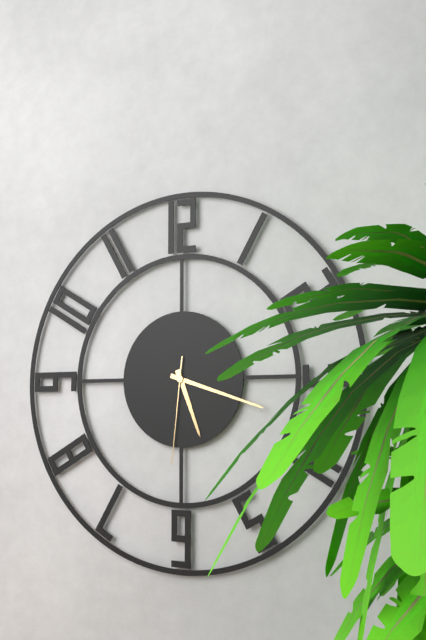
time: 5:18:31
